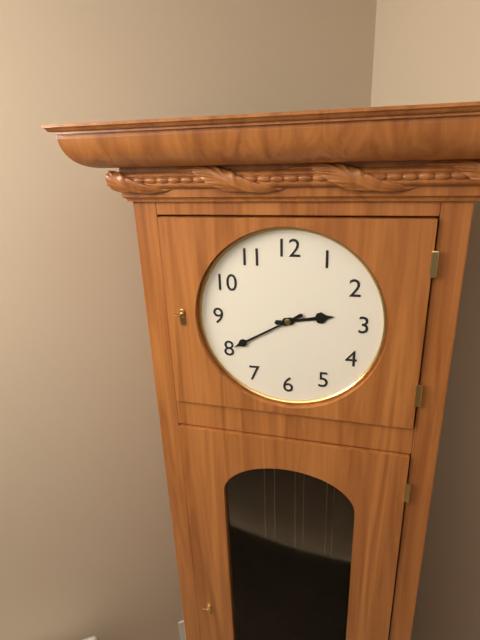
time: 2:40
